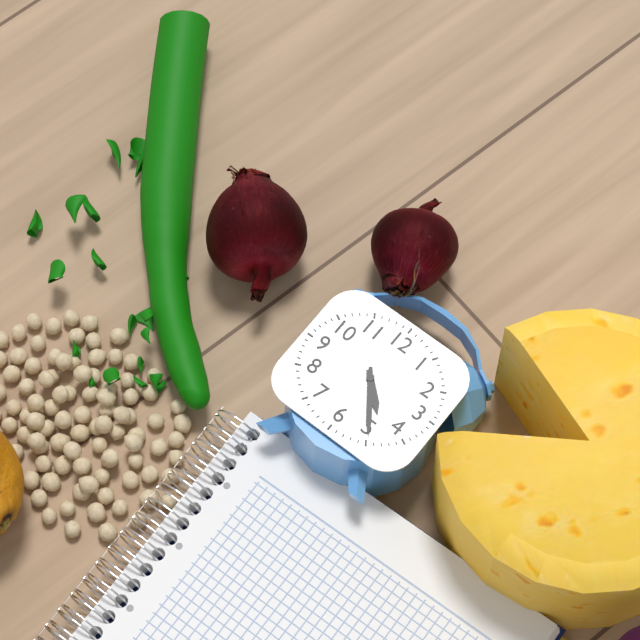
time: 4:24
